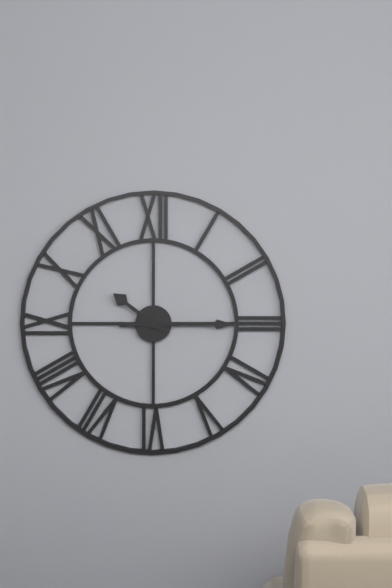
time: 10:15
